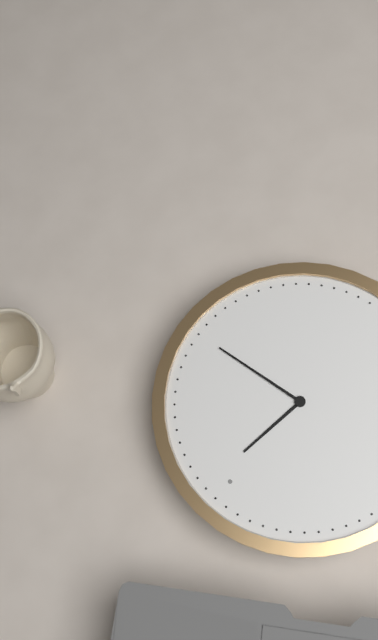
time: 12:14
